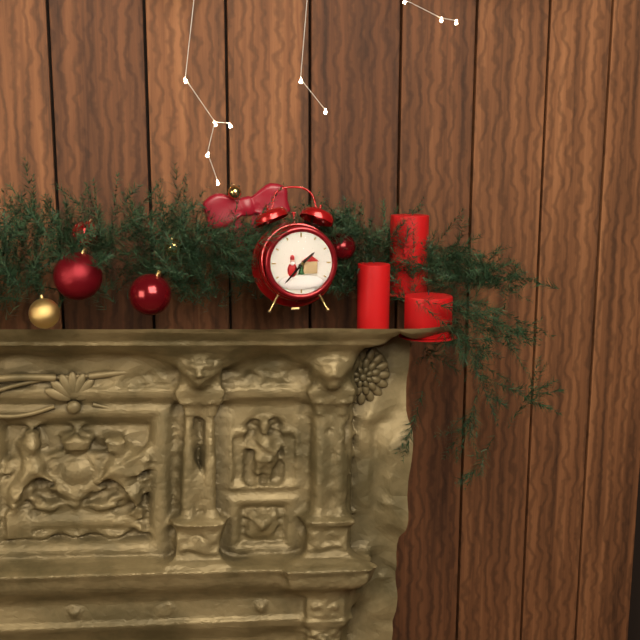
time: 1:37
